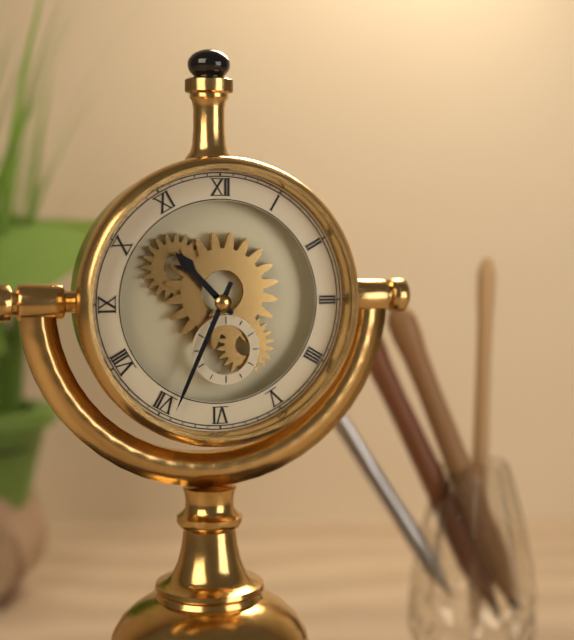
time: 10:34
